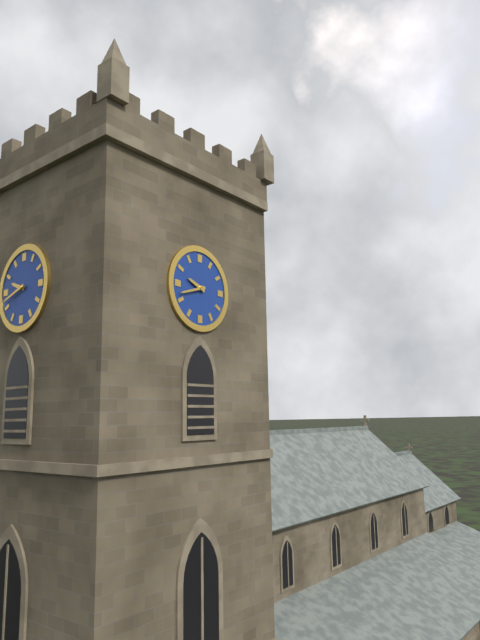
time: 9:42
